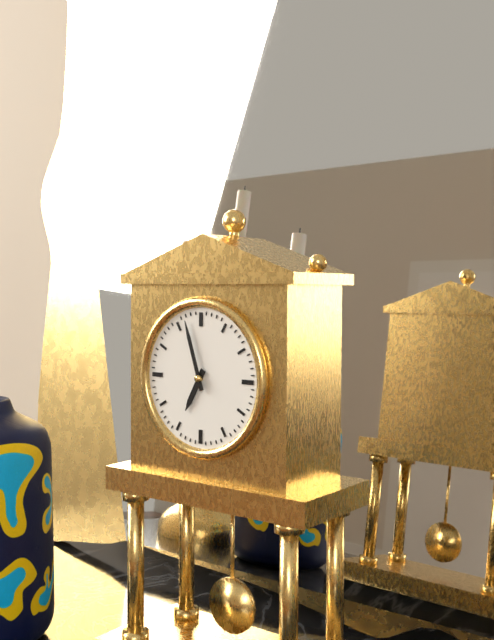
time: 6:57
